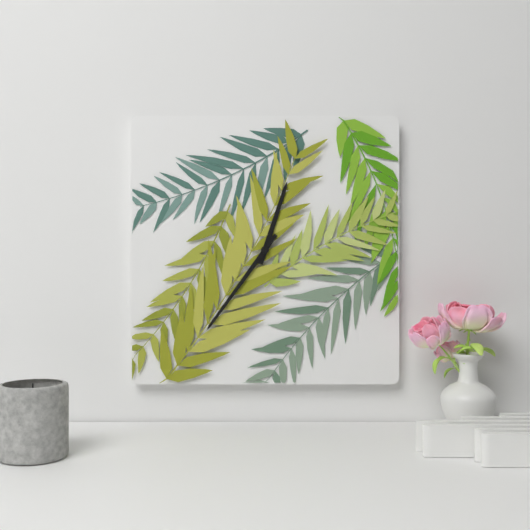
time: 12:36
